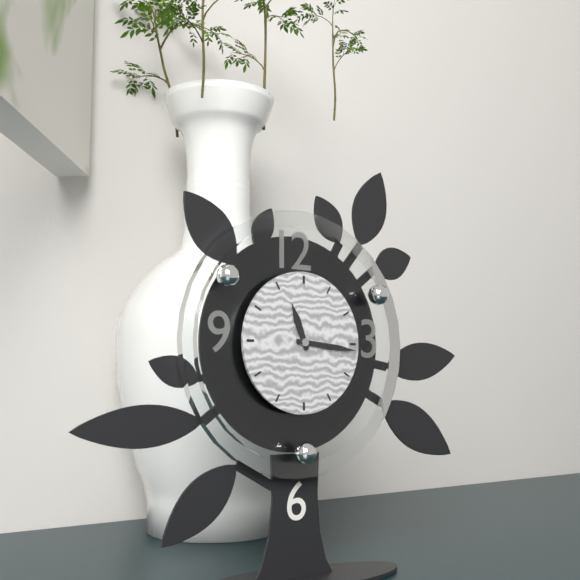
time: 11:16
